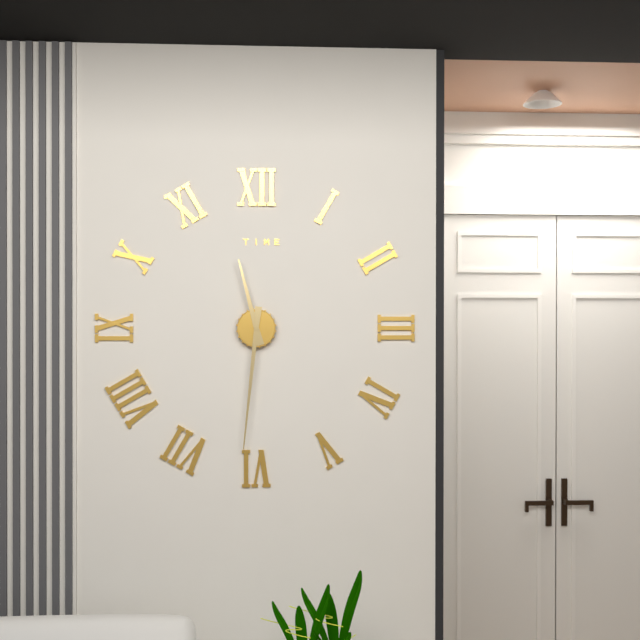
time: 11:31
